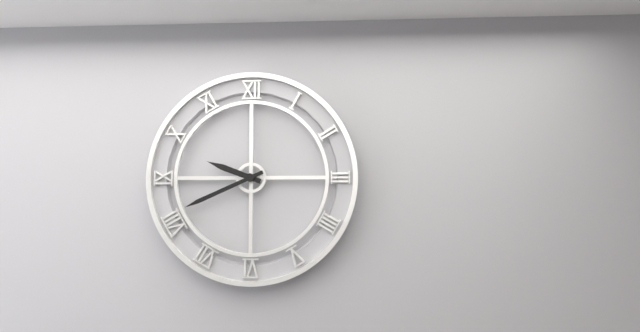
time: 9:41
